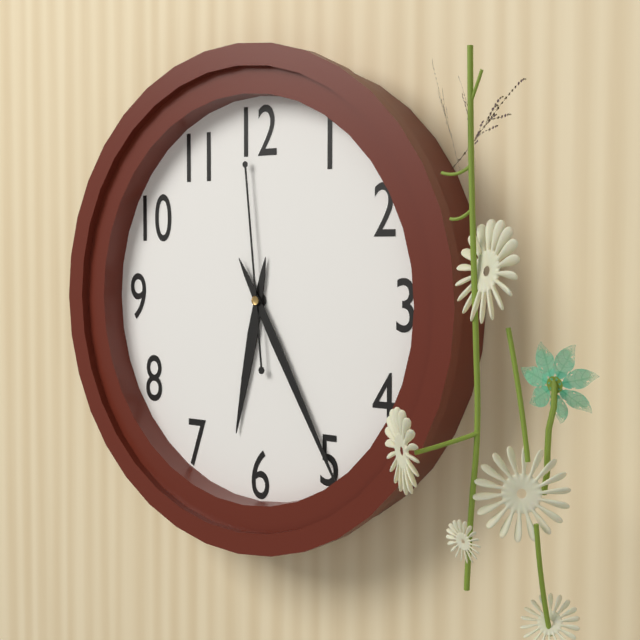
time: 6:25:59
